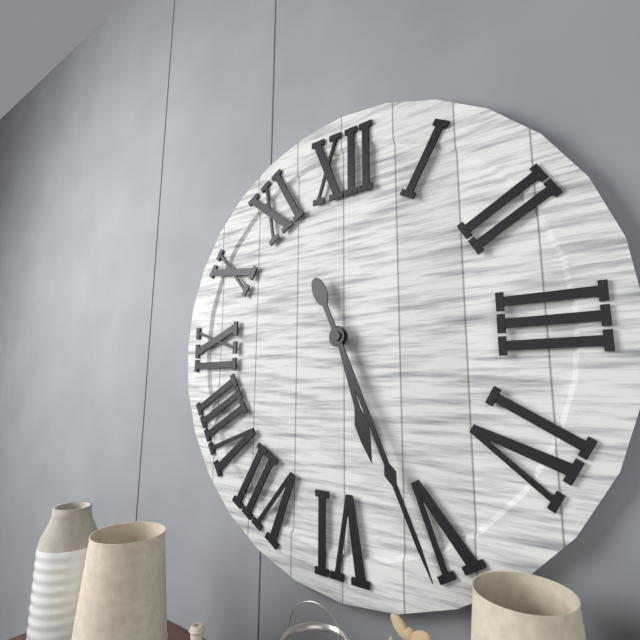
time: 5:26
